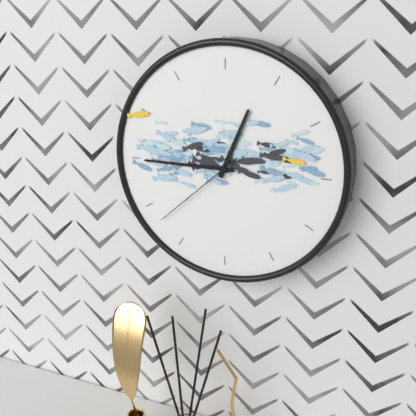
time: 12:45:38
